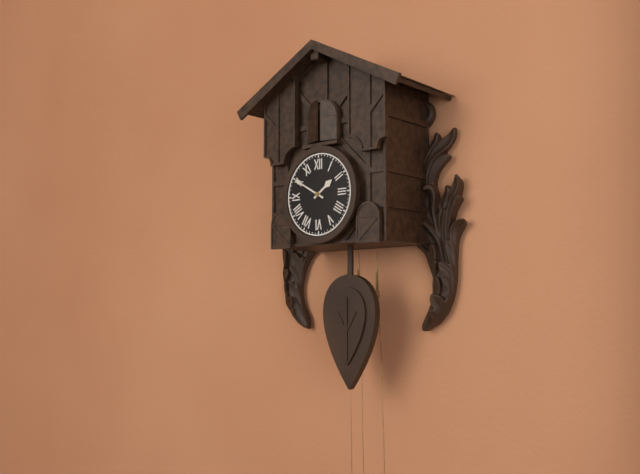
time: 1:50
